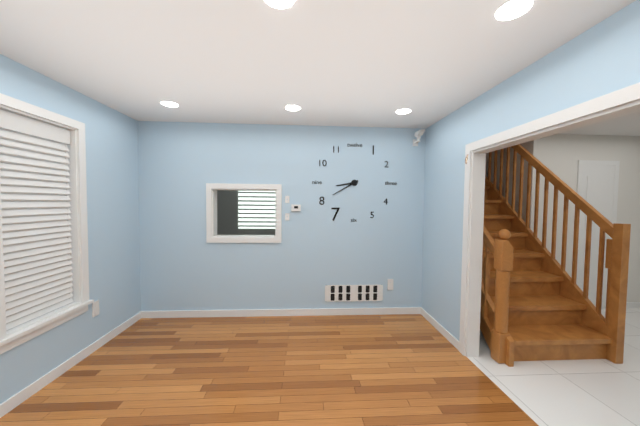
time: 8:40
